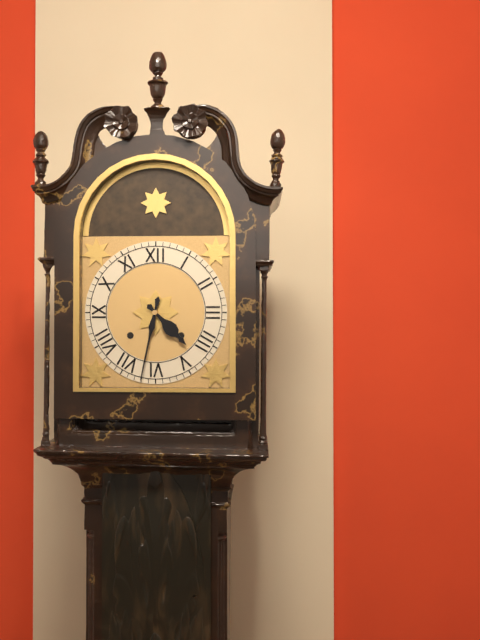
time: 4:32
